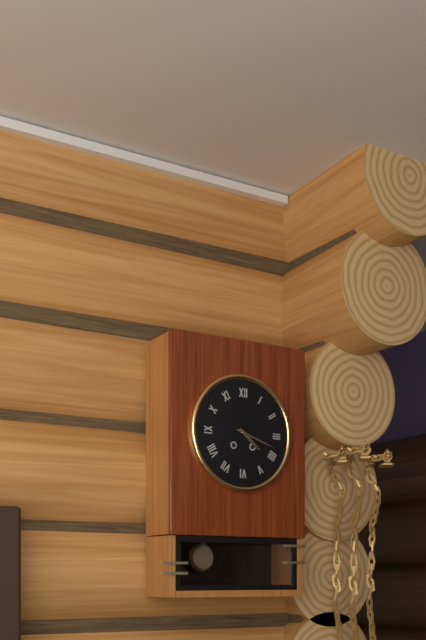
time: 4:18
